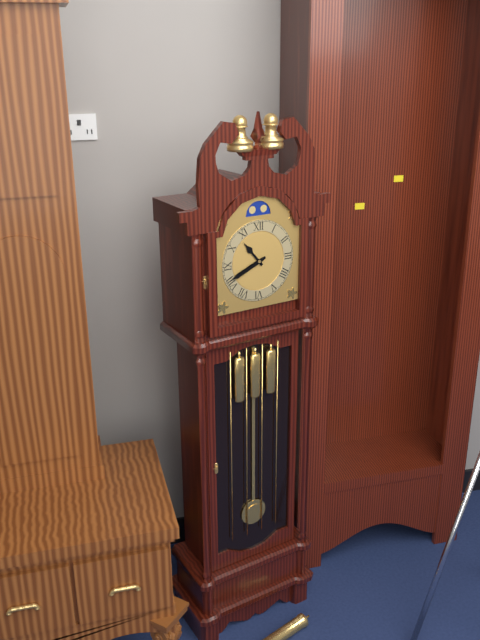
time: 10:41
